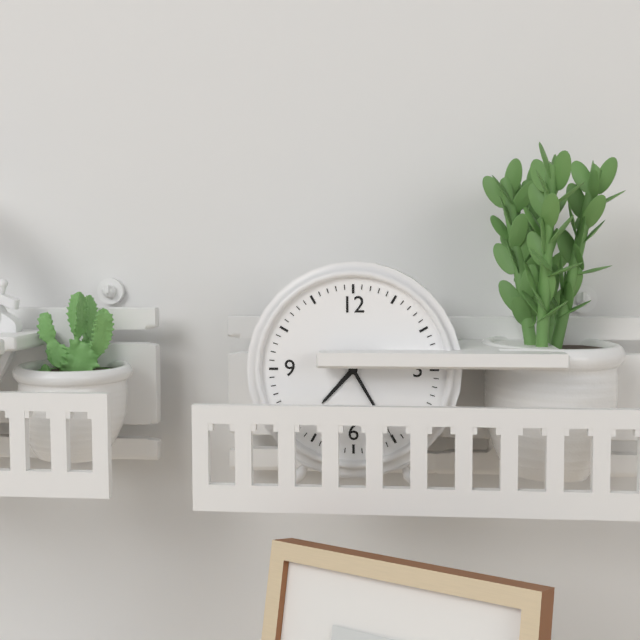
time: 7:25
